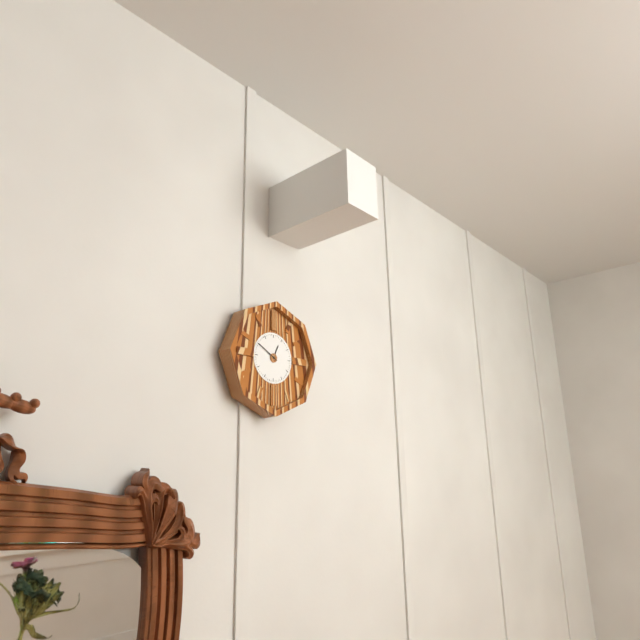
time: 12:50
